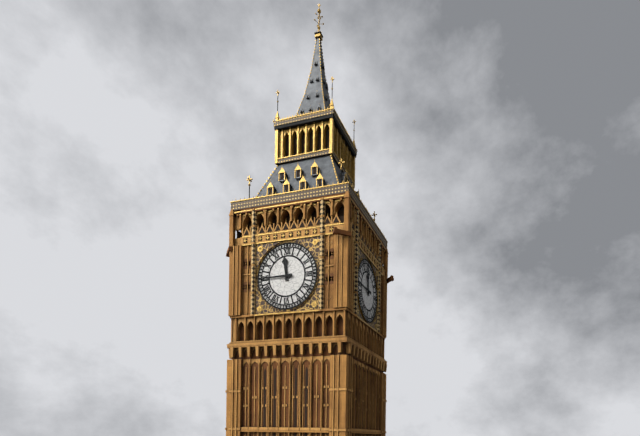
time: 11:45
